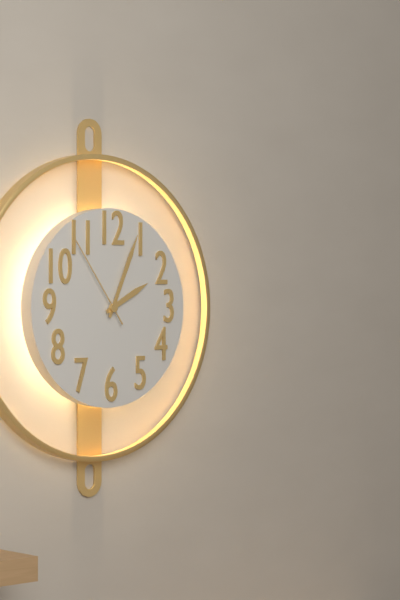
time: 2:04:54
